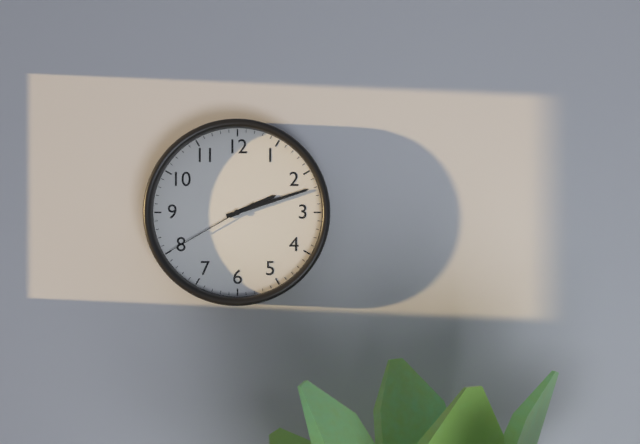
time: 2:12:40
